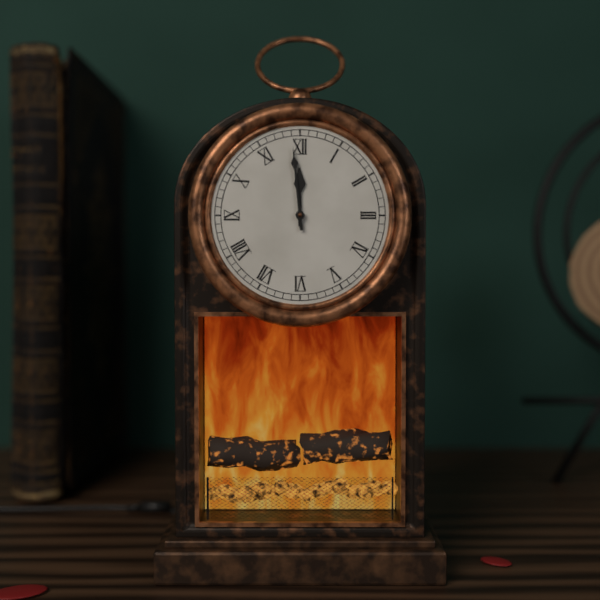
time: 11:59
